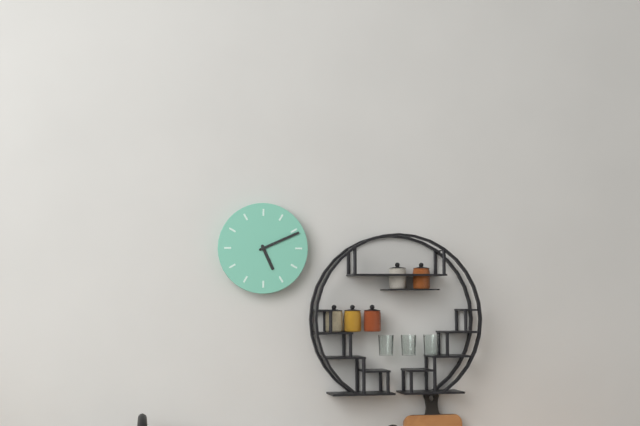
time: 5:11
